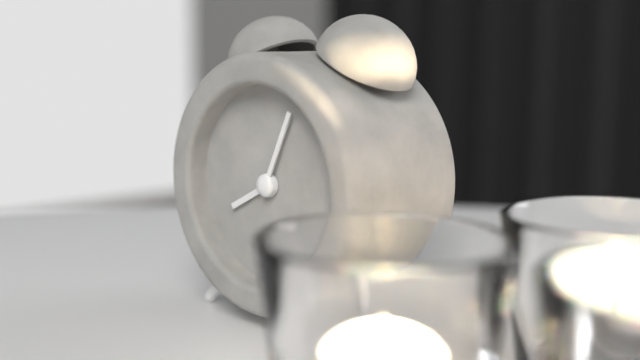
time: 8:04
